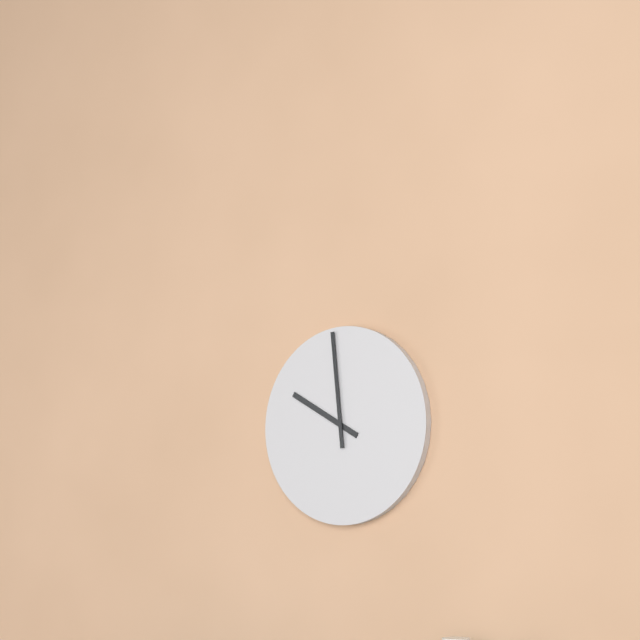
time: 9:59
